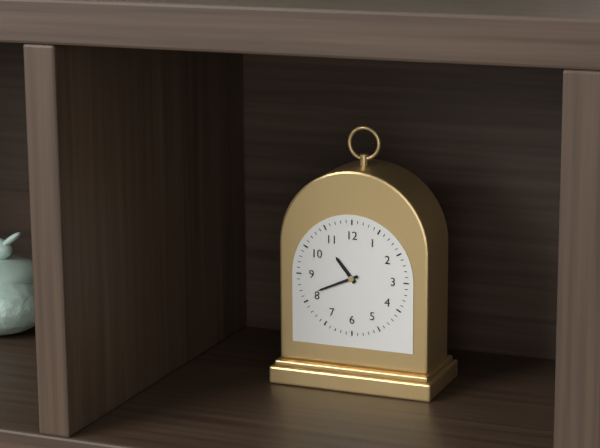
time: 10:41
